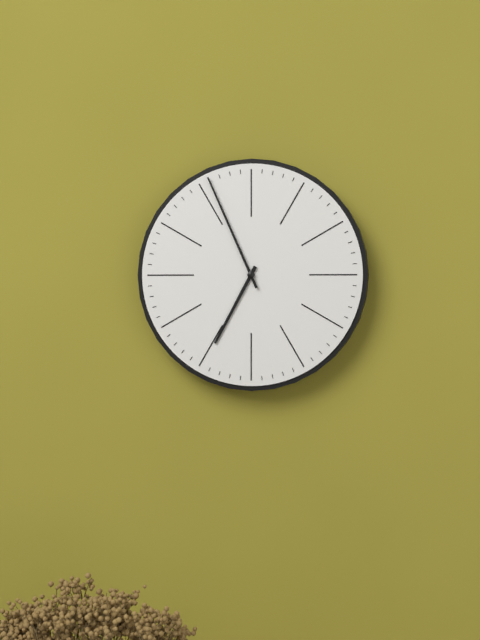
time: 6:56
